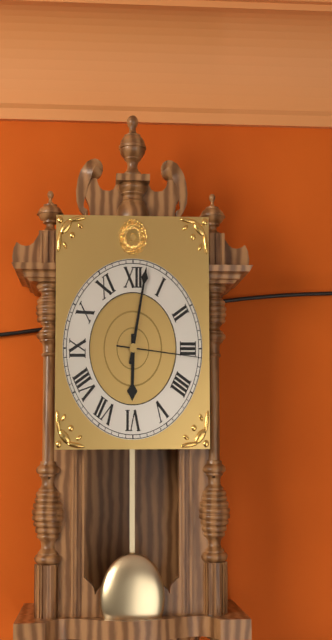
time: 6:02:16
